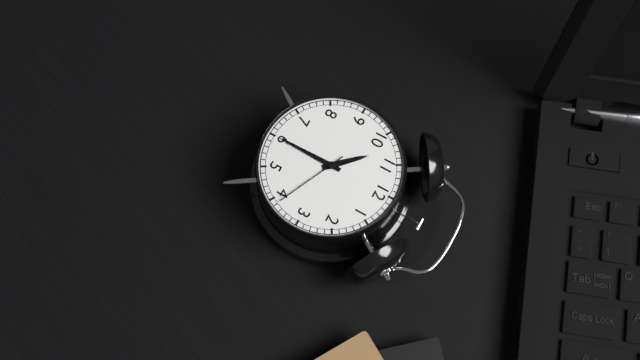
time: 10:30:19
